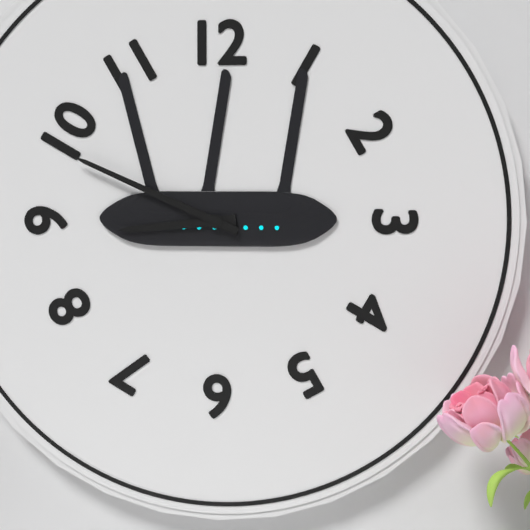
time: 8:49
